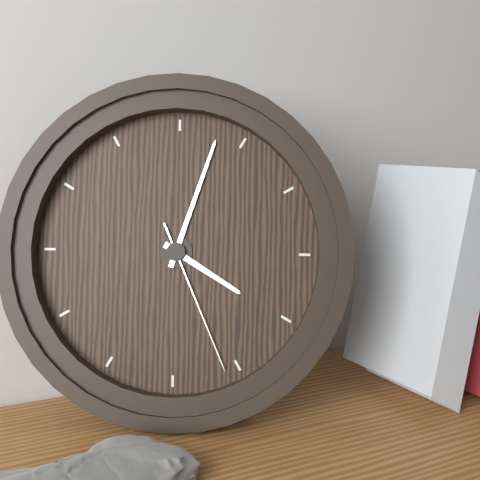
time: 4:03:26
